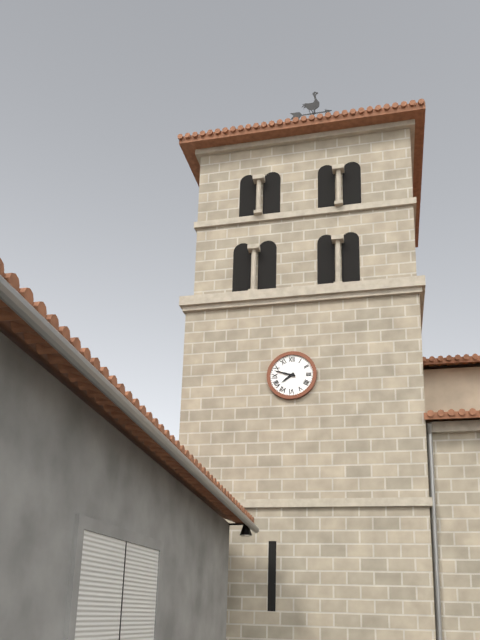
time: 7:48
